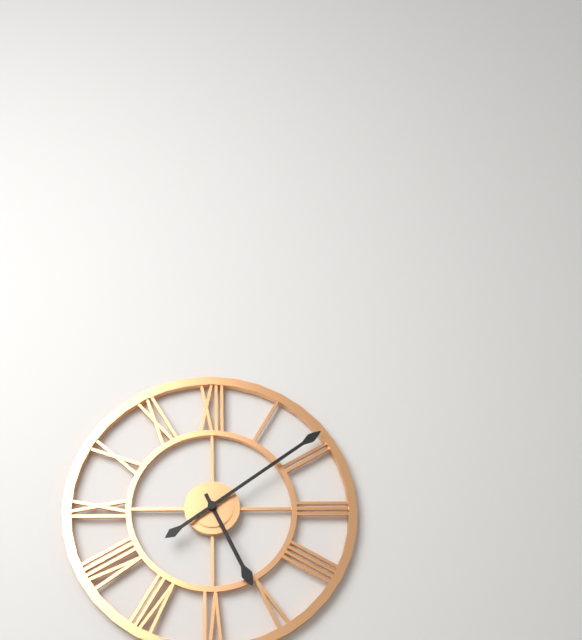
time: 5:09
